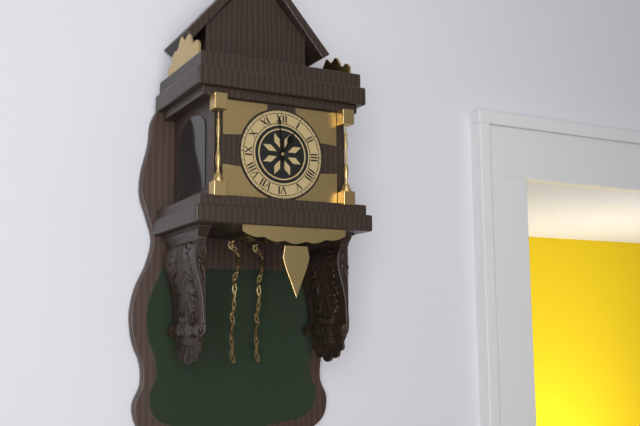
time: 12:59
